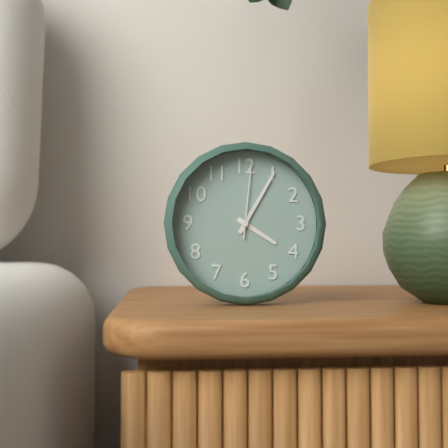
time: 4:05:01
